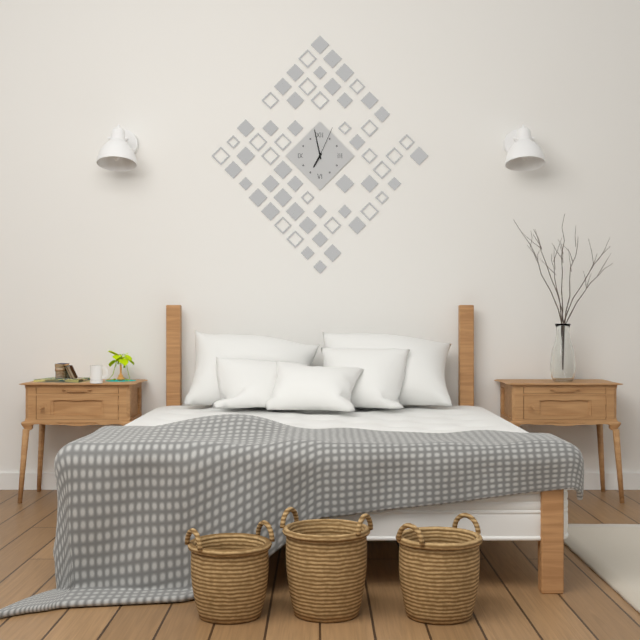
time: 6:58
